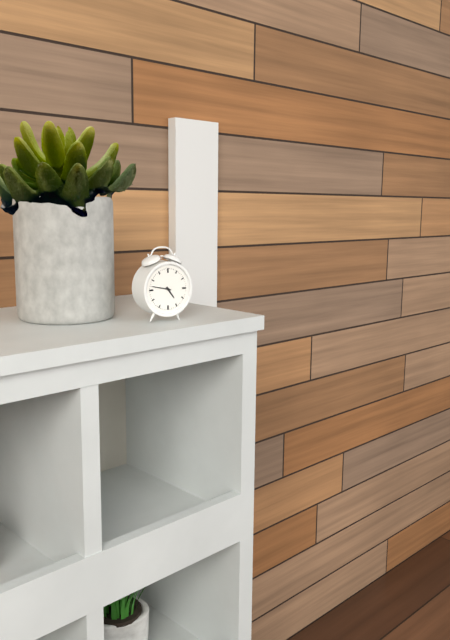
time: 4:47
